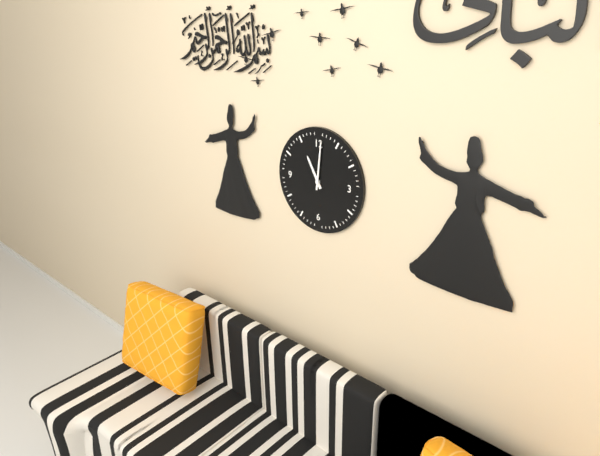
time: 11:01
